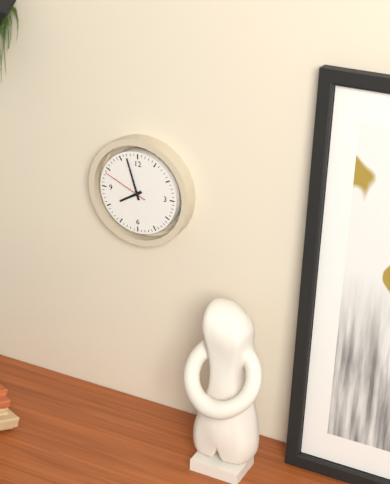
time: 7:57
